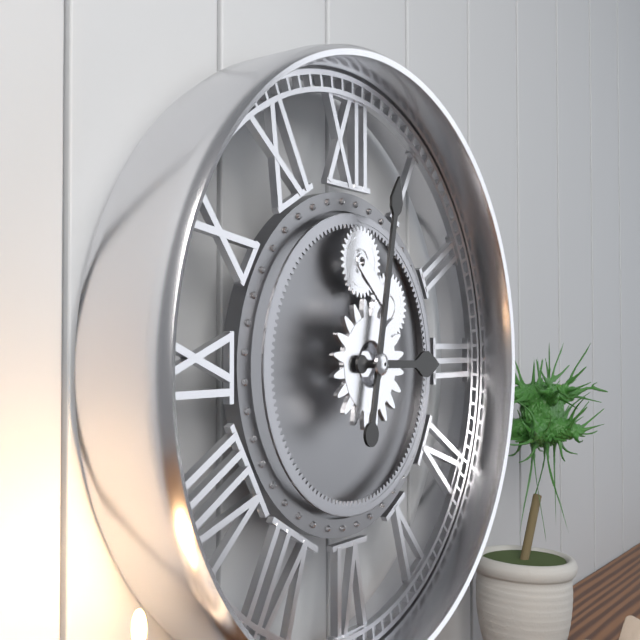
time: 3:02
